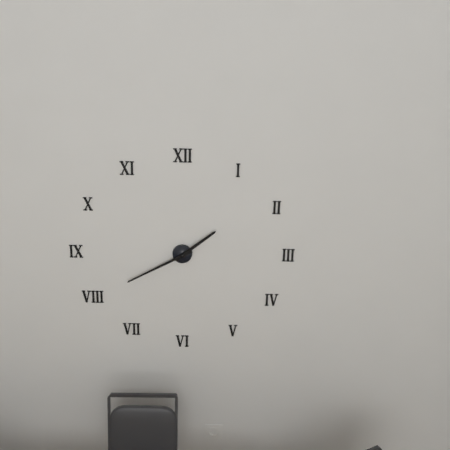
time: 1:40
